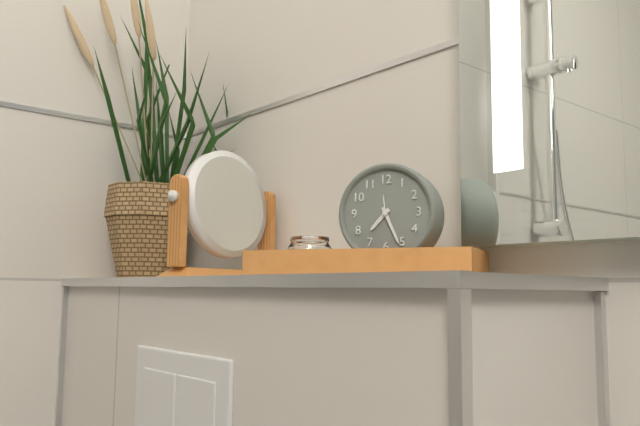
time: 7:26
